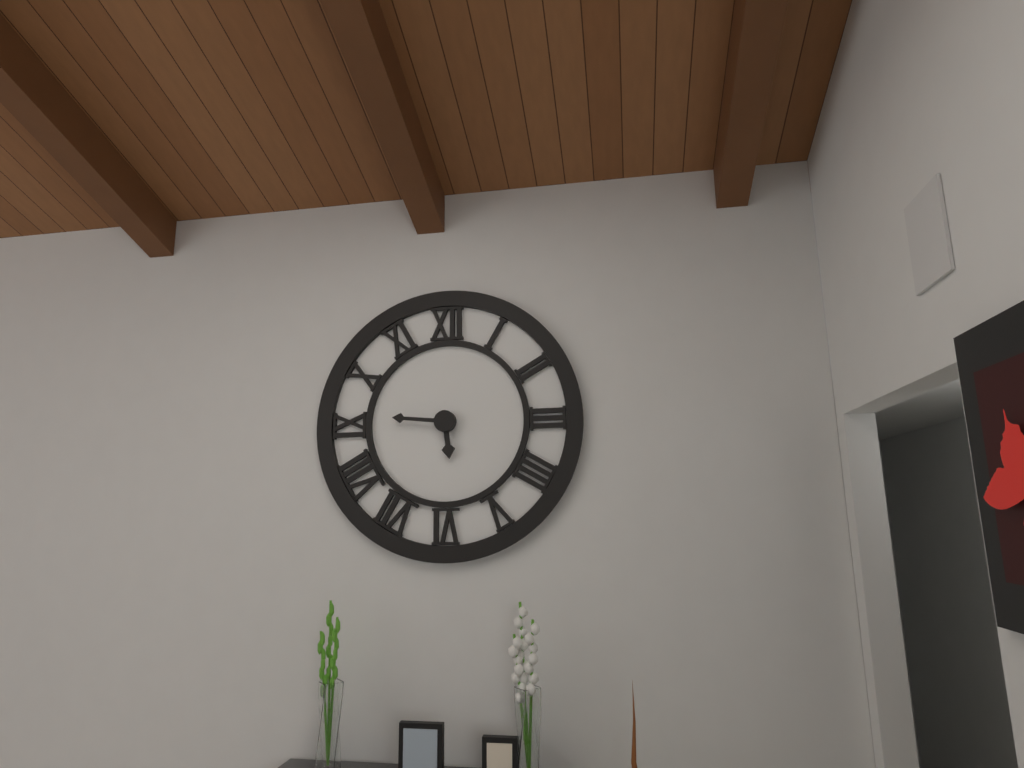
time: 5:46
